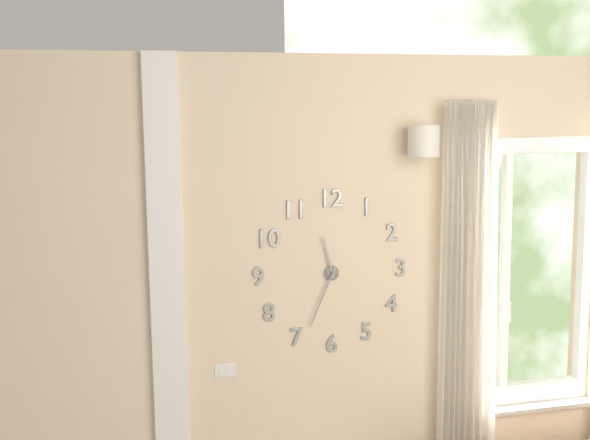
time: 11:34
